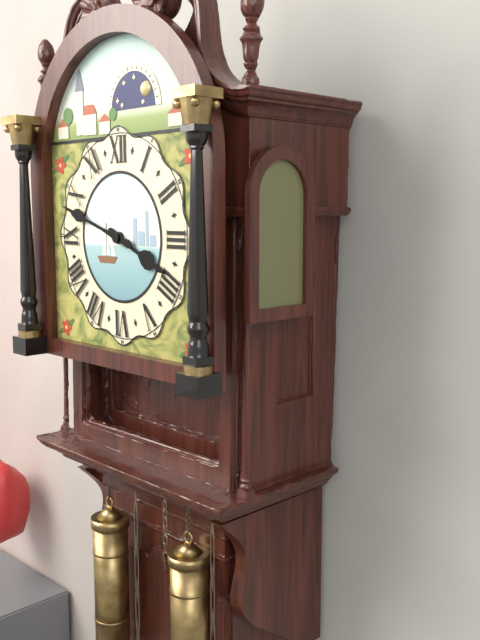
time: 3:48
